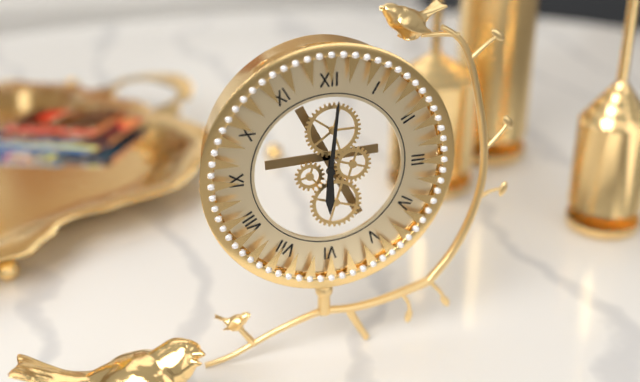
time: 6:01
